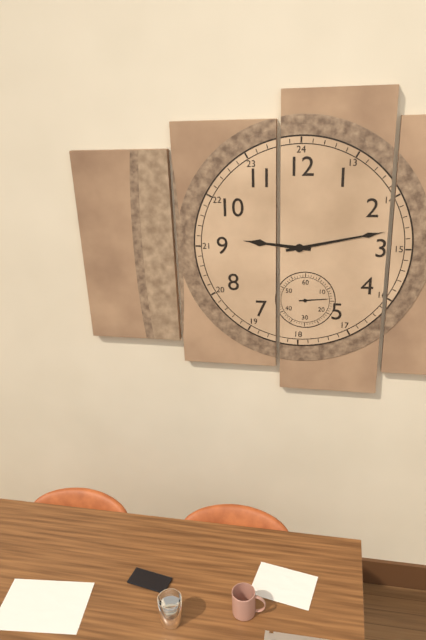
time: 9:13
